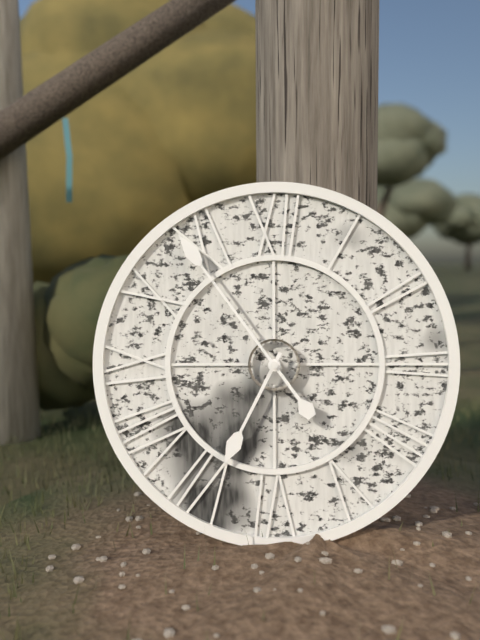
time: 6:54
